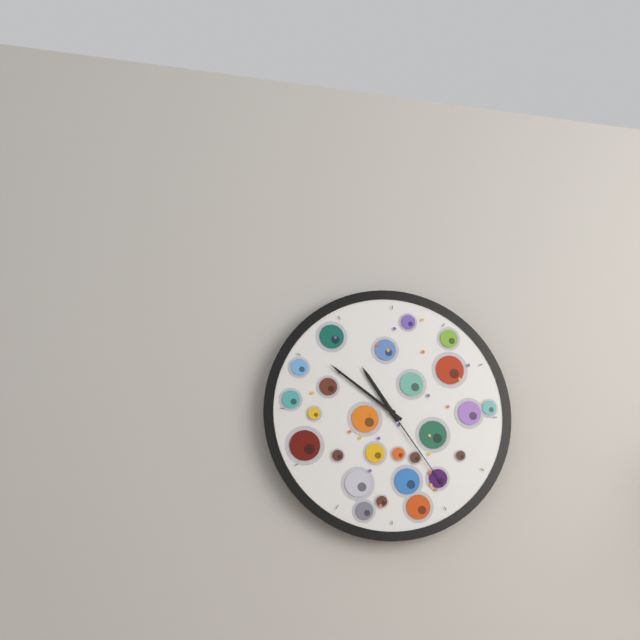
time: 10:51:24
